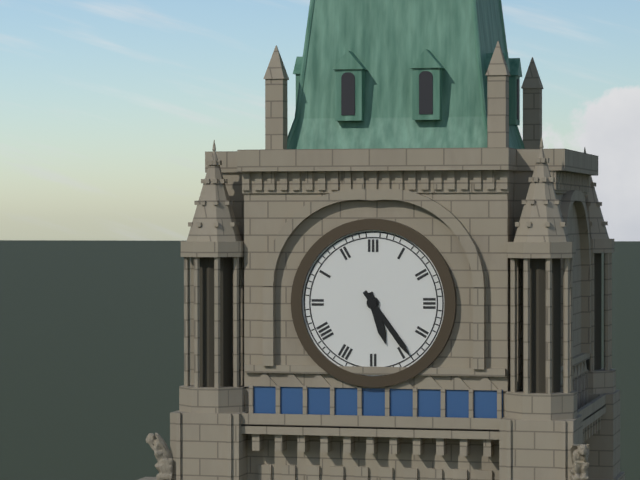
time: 5:24
